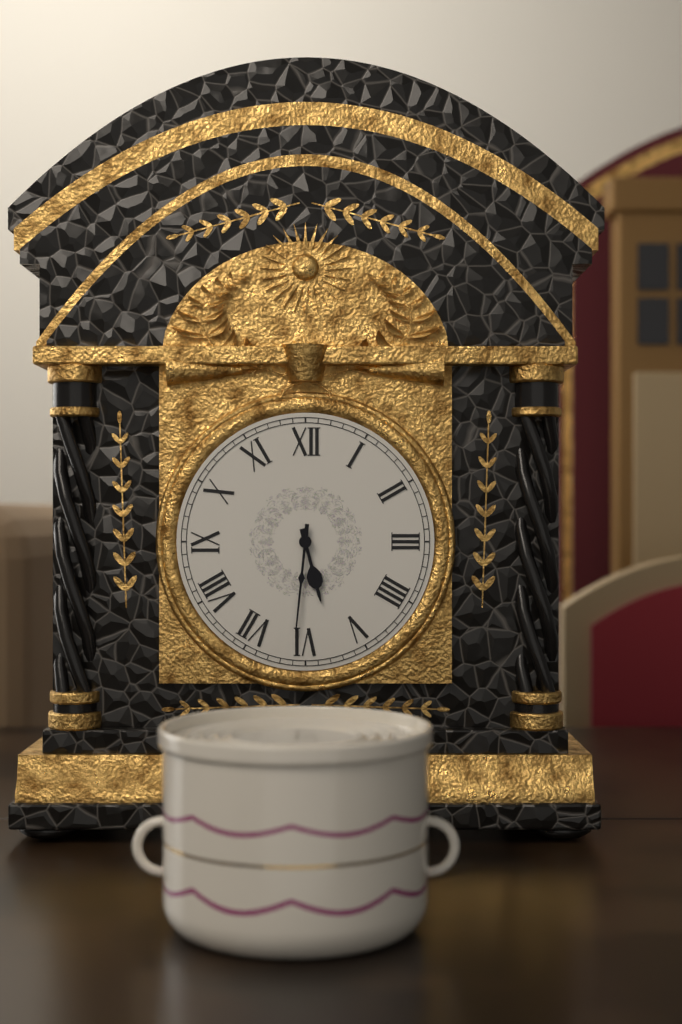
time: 5:31
